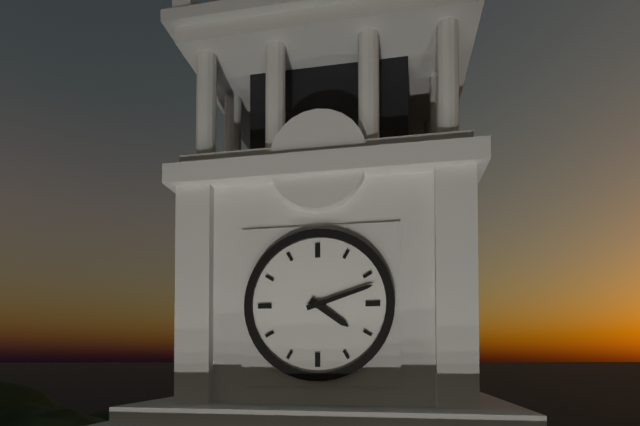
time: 4:12
